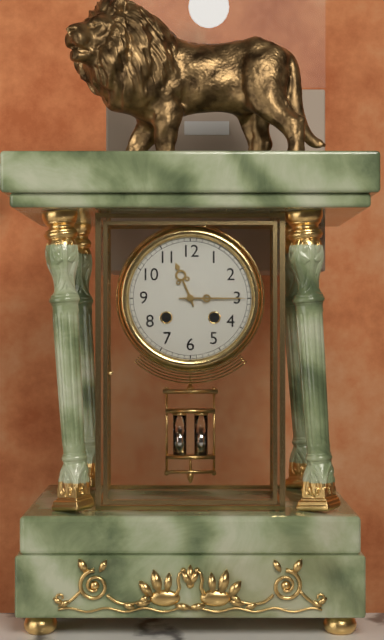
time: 11:15
